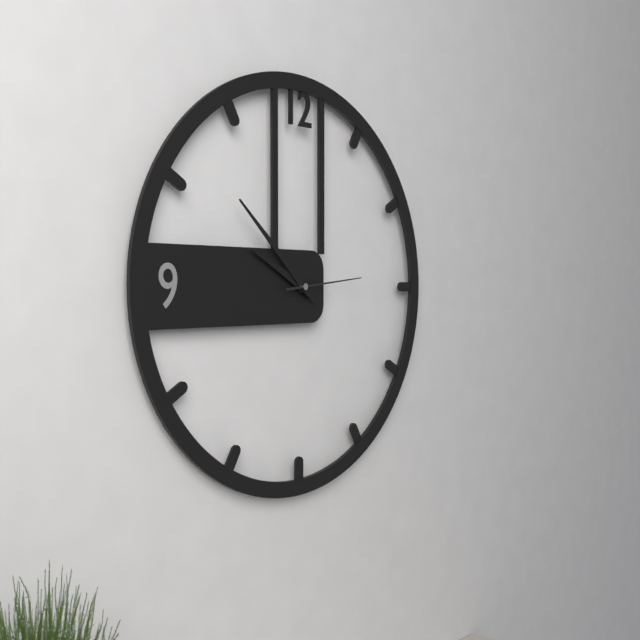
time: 9:52:14
